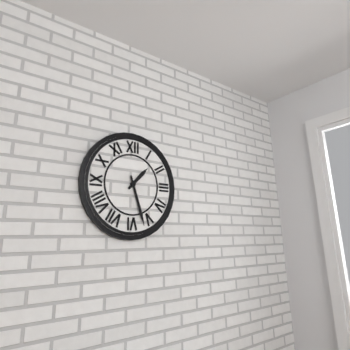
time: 1:27
